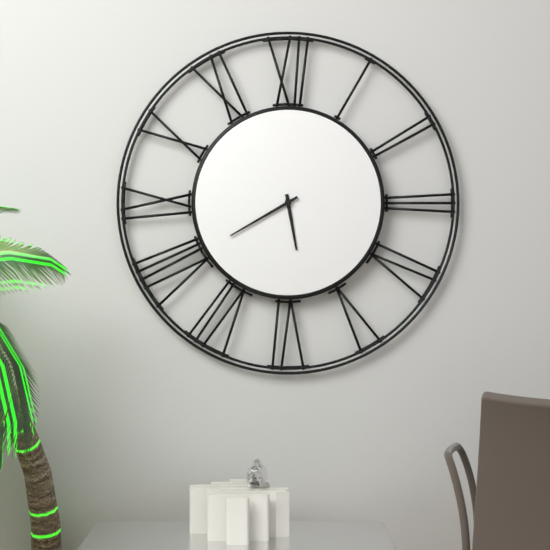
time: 5:40
